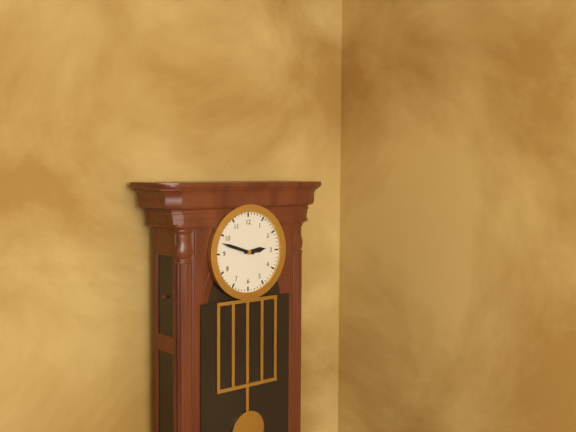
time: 2:48
